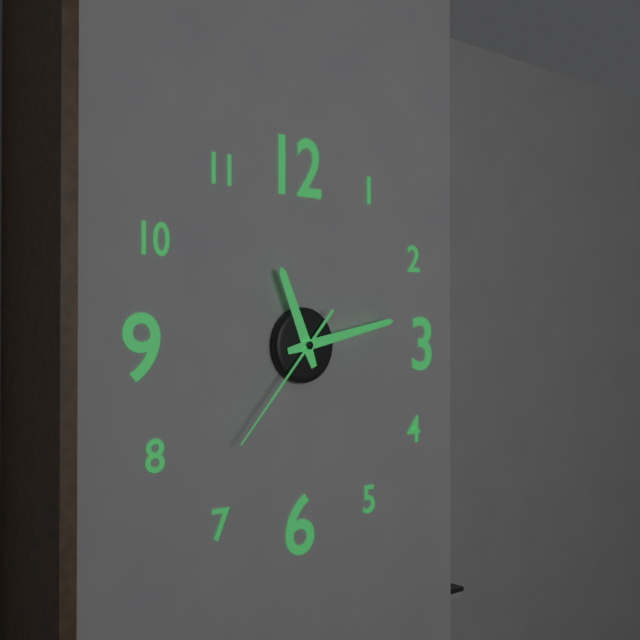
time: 11:13:37
